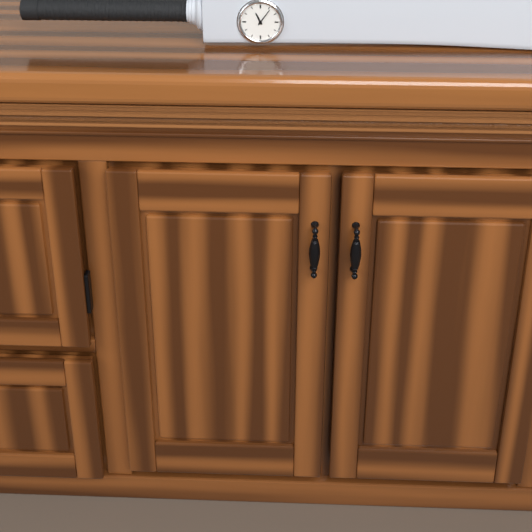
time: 11:06
